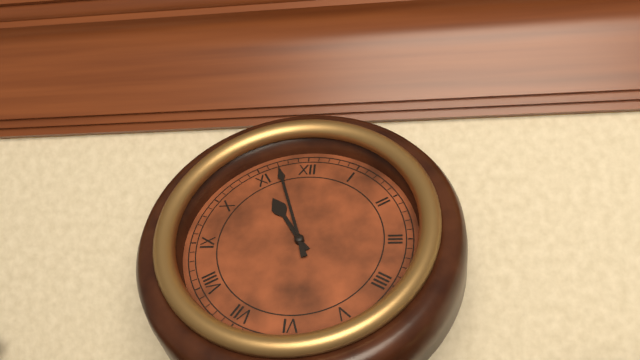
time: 10:57
